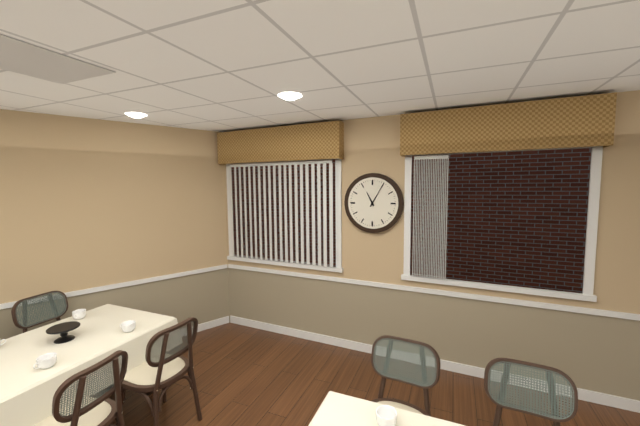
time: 11:05
